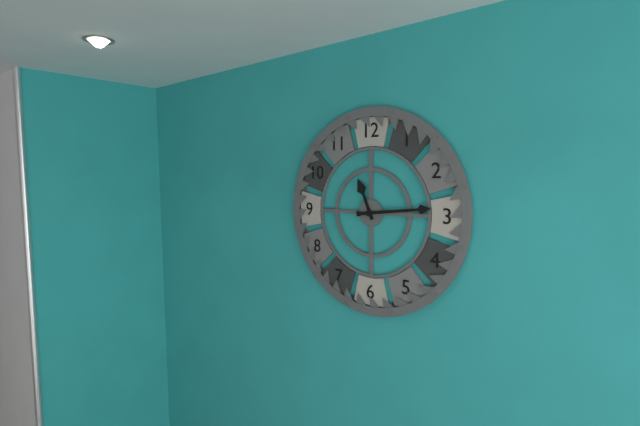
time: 11:14
